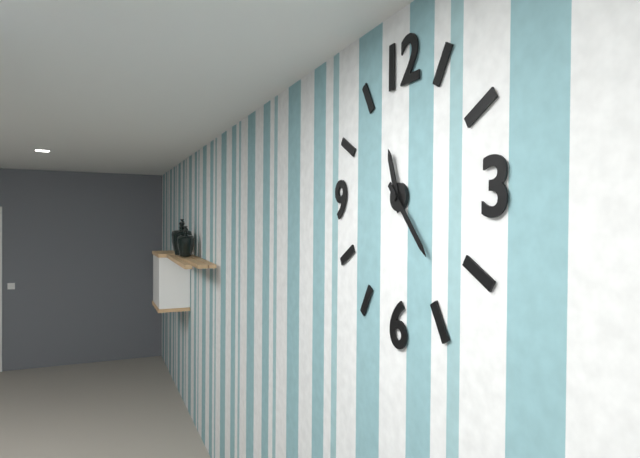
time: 11:23
